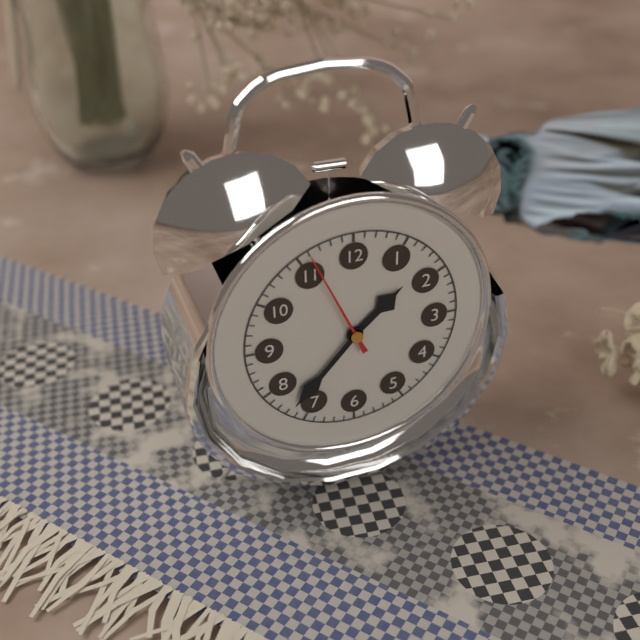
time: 1:37:56
